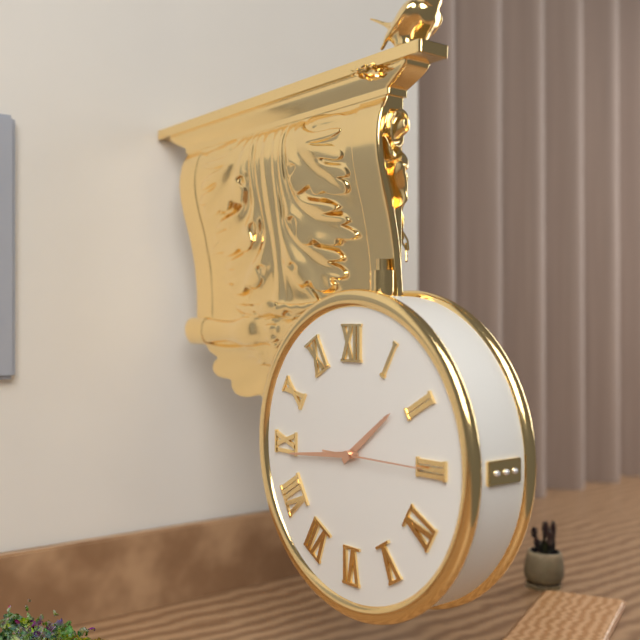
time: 1:44:15
